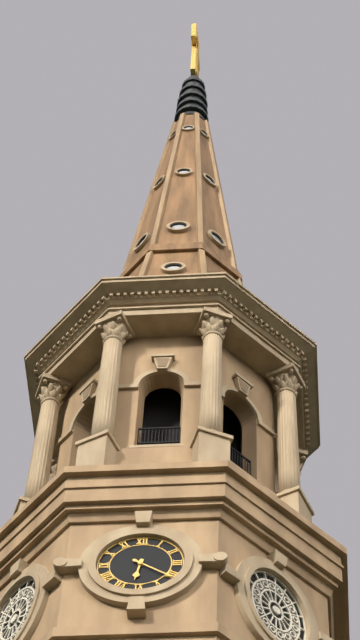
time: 6:21
